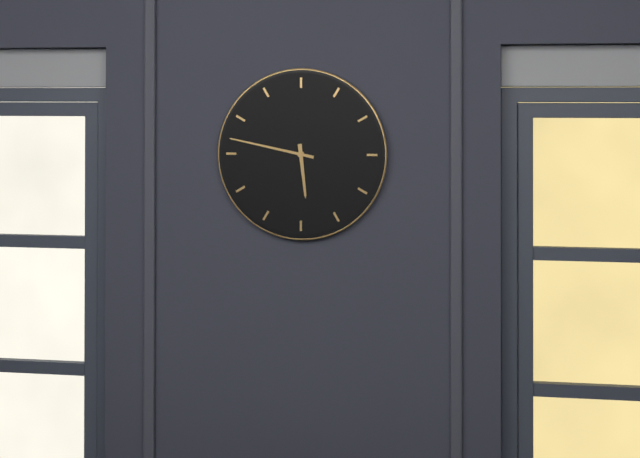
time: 5:47
